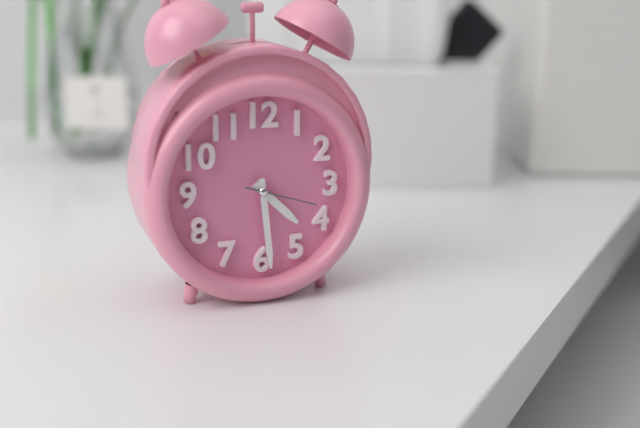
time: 4:29:18
